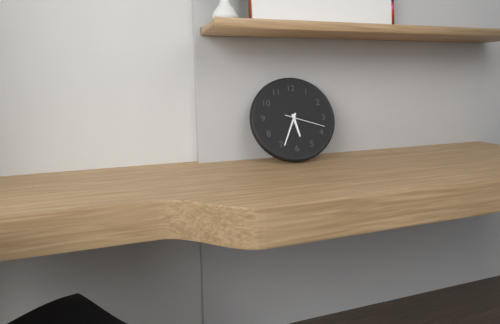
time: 5:34
